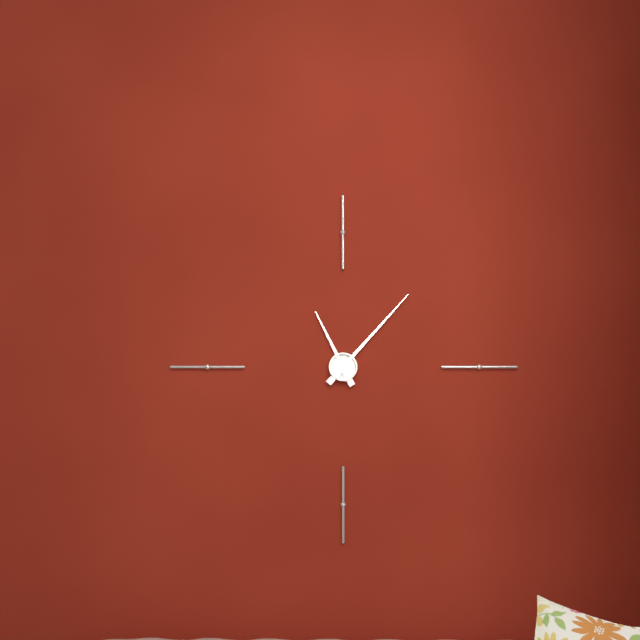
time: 11:07
